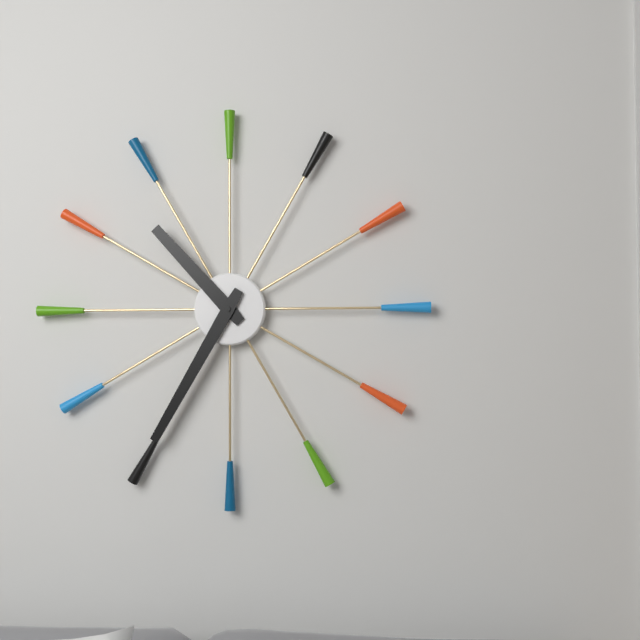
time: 10:35
